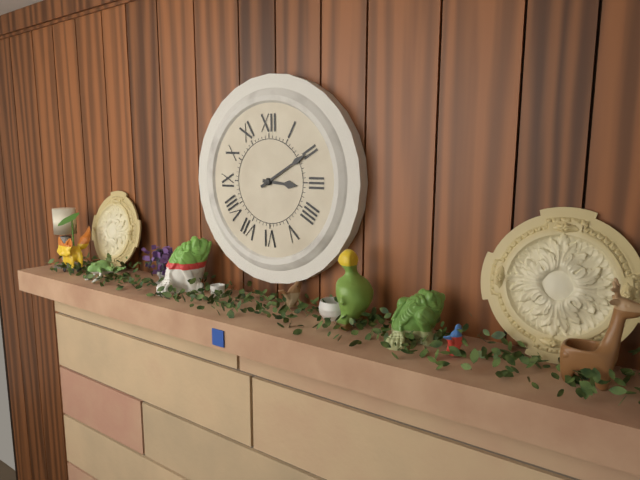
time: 3:10
